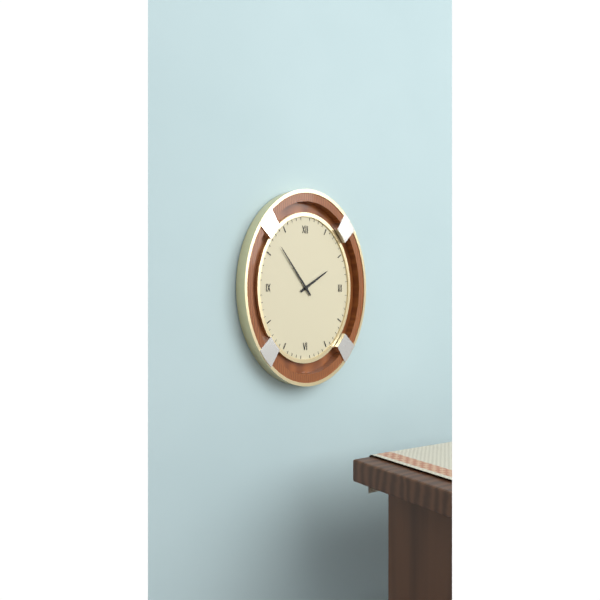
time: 1:54
